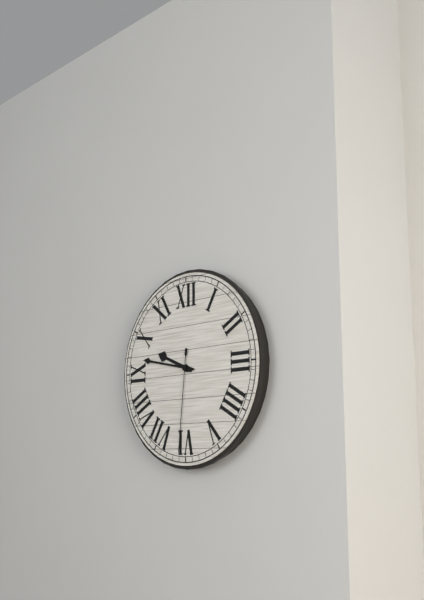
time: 9:47:31
